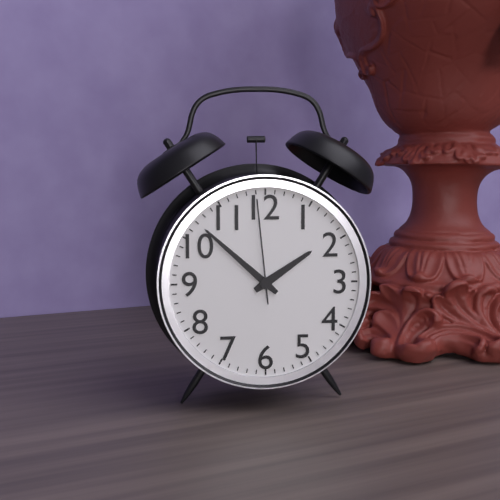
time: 1:52:59
